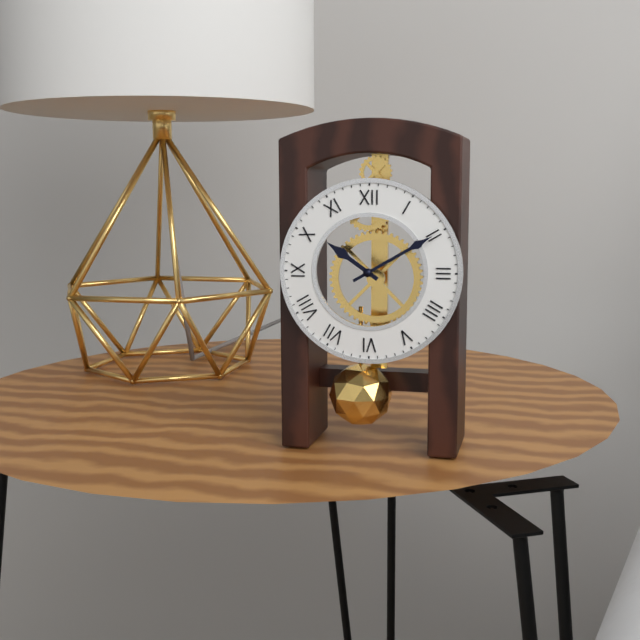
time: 10:10
